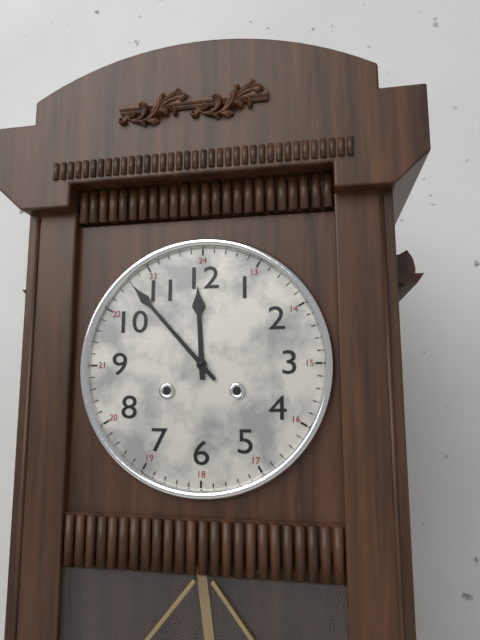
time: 11:53
